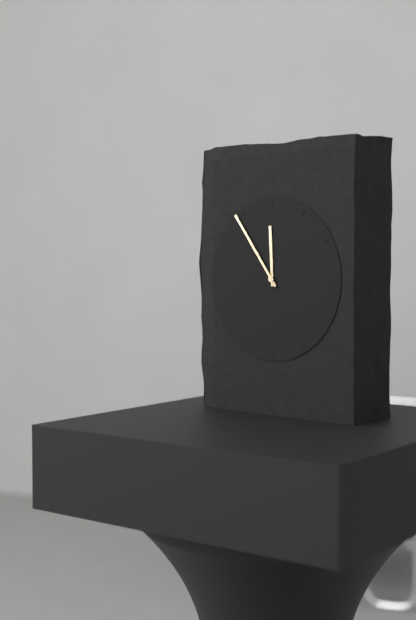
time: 11:54
